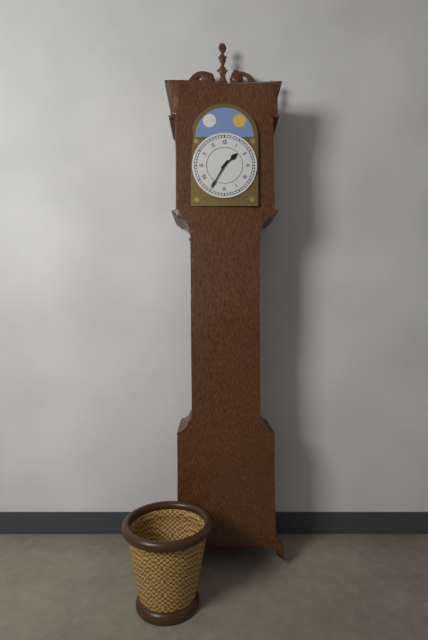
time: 1:35
